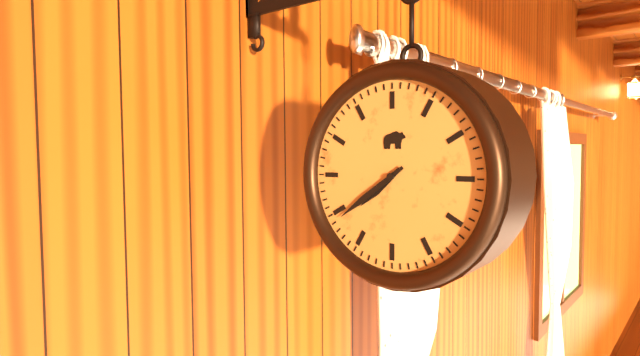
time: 7:39
